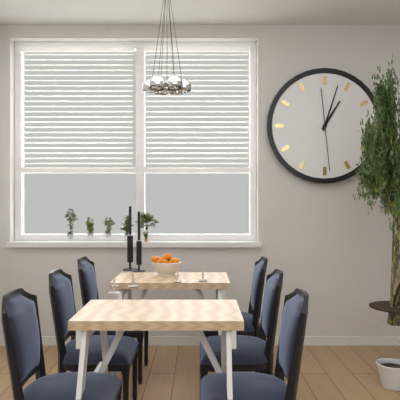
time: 1:03:29
